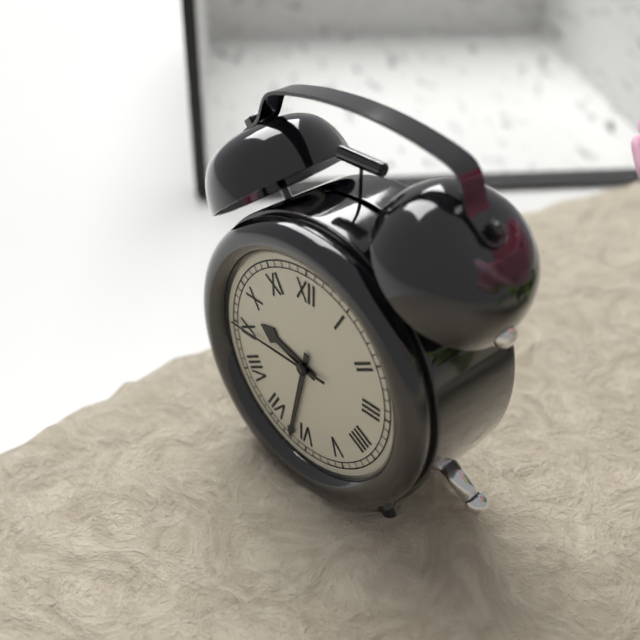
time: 9:32:45
